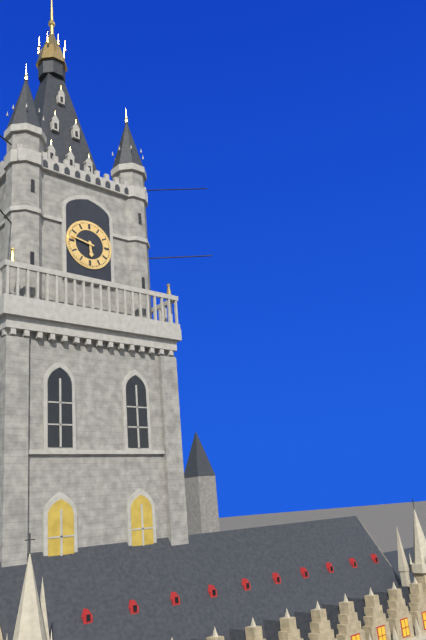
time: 5:47
